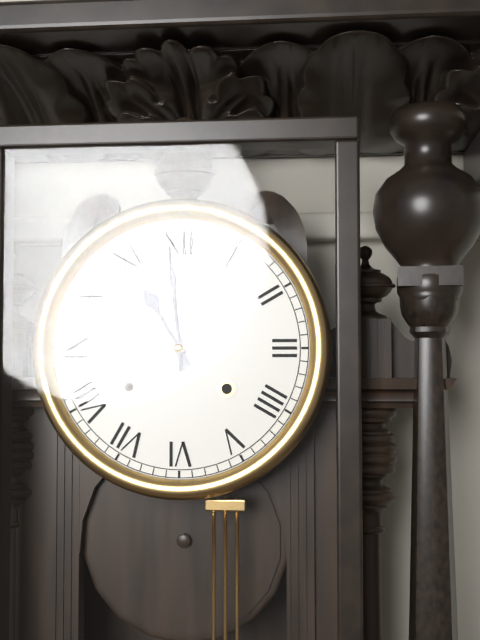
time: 10:59
